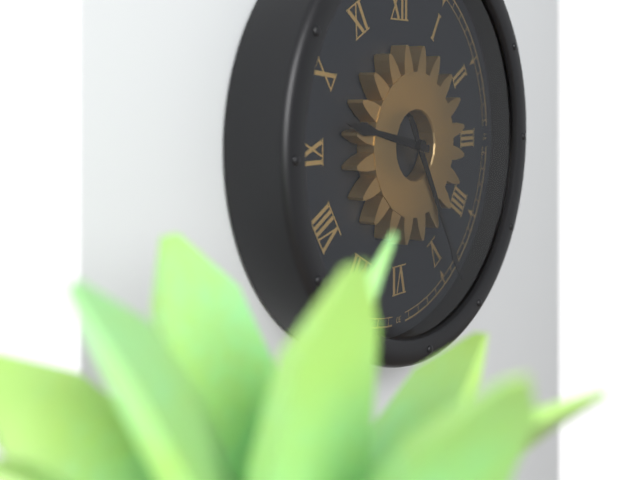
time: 9:25
